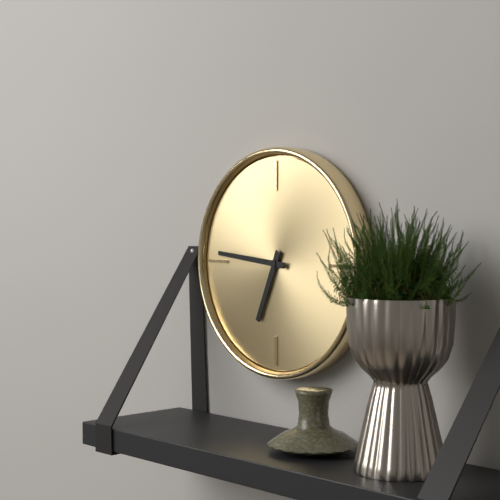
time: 6:46
